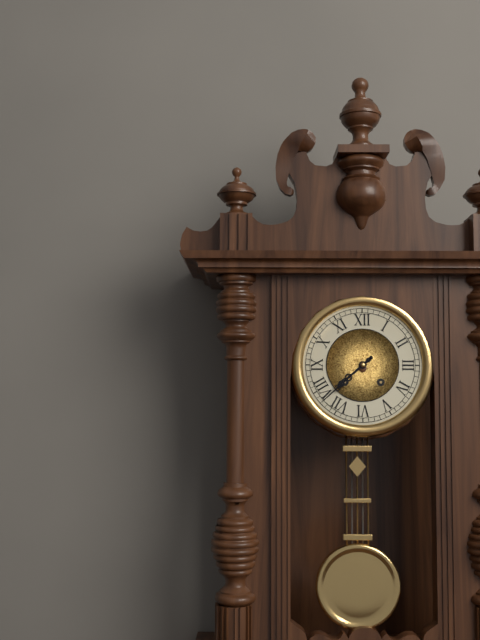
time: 7:38
